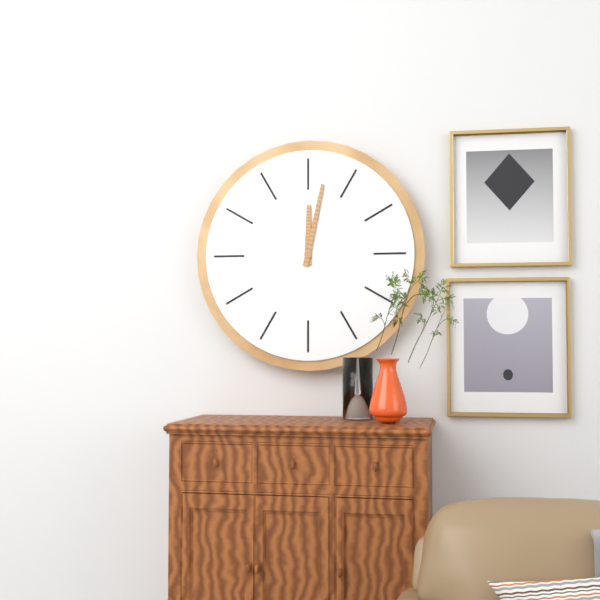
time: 12:02
